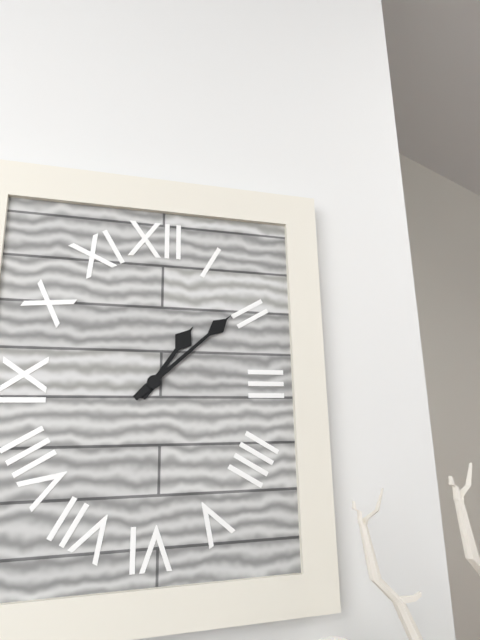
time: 1:08
